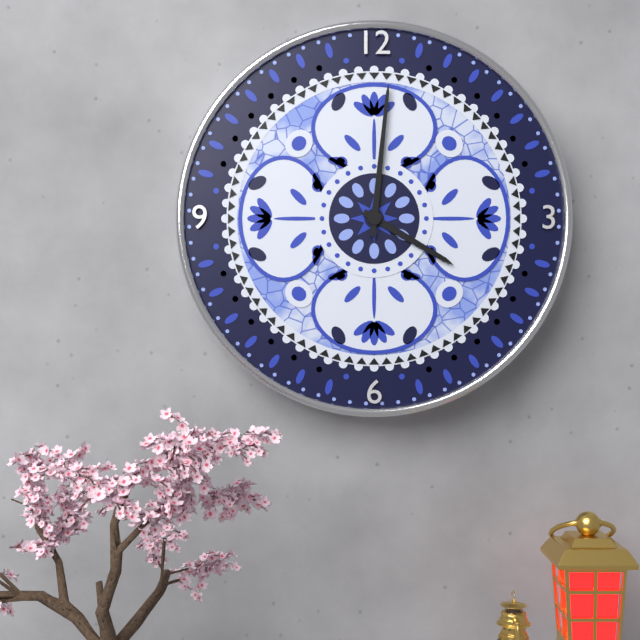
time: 4:01
